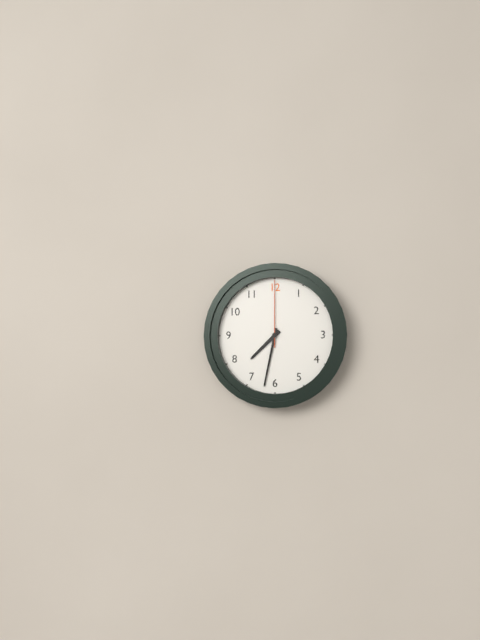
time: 7:32:00
